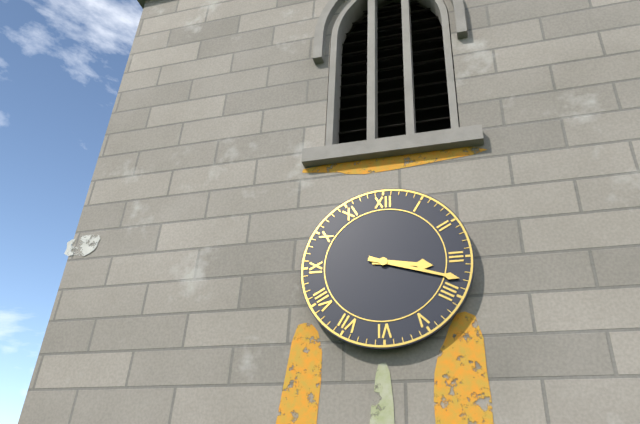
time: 3:18
